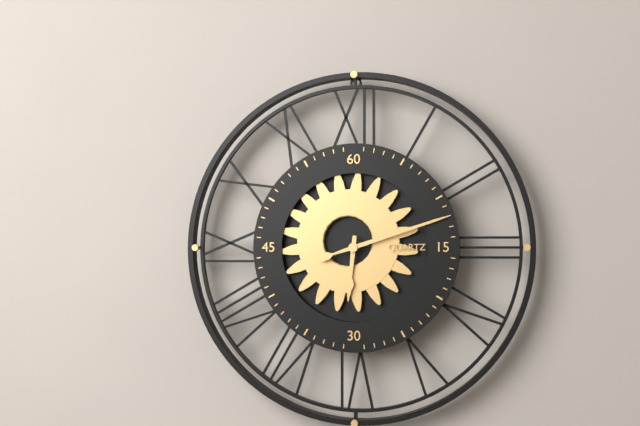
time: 6:12
